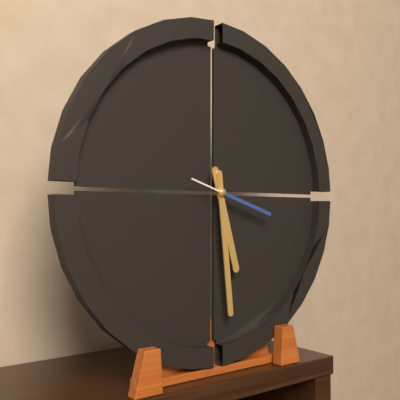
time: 5:29:18
